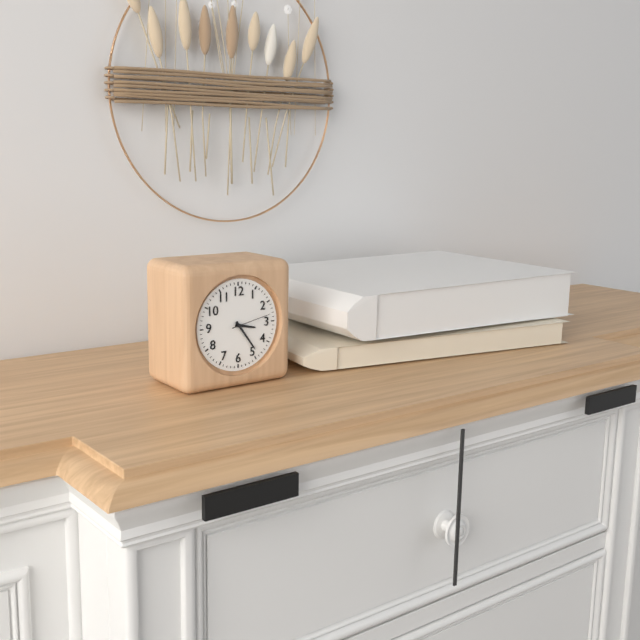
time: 3:24
